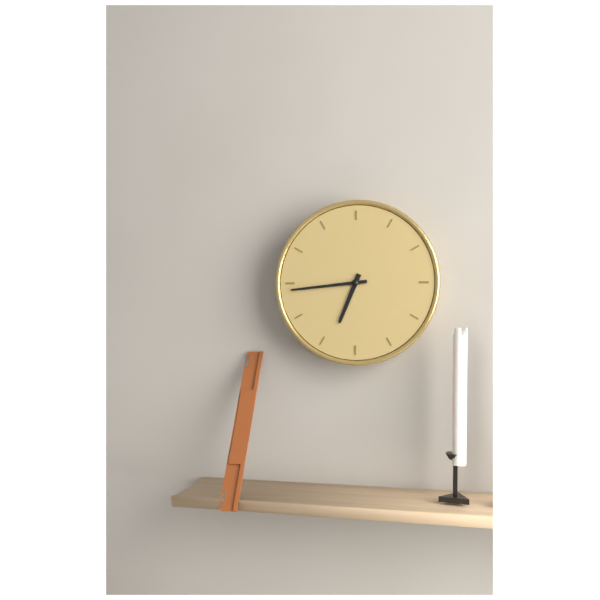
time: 6:44
